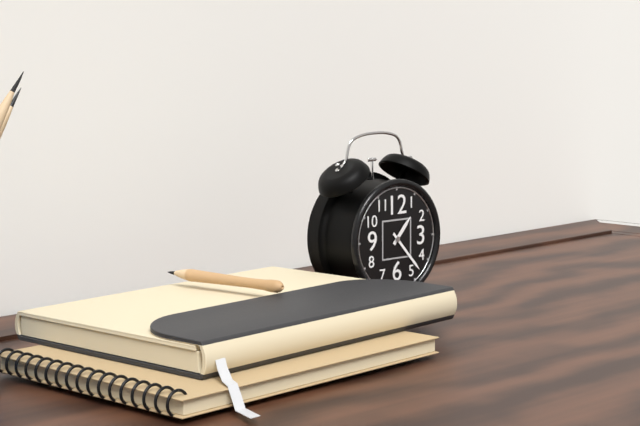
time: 1:23
